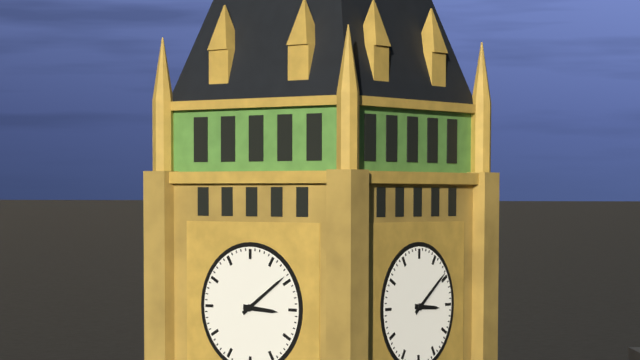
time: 3:09
